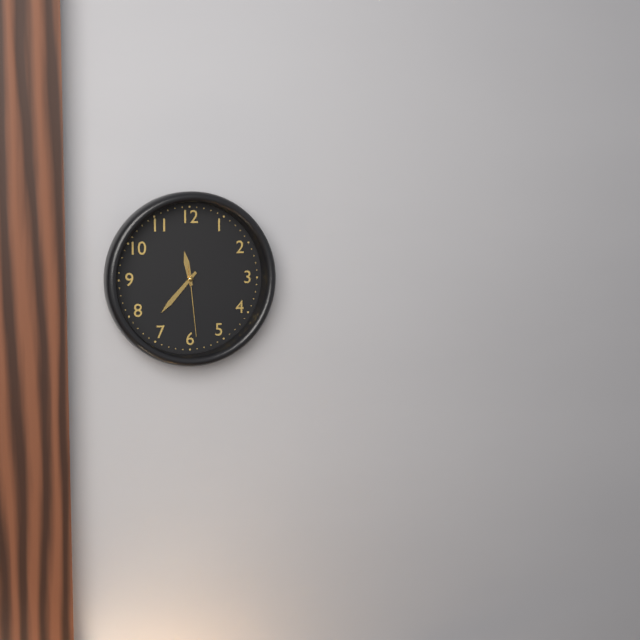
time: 11:37:29
